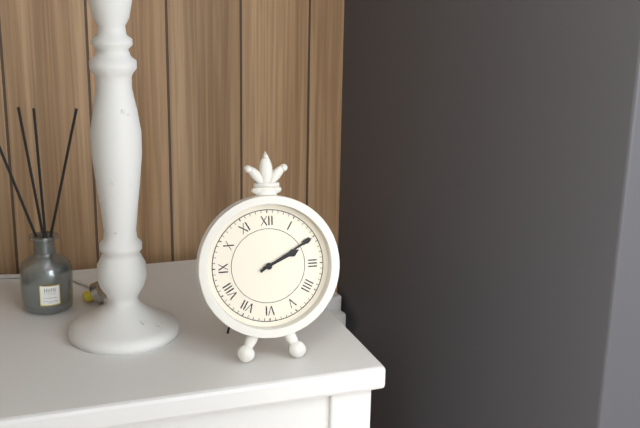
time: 2:10
